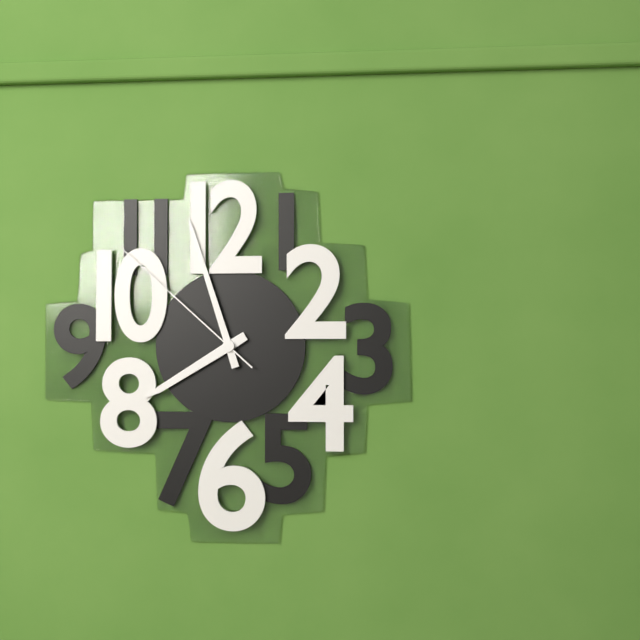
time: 7:57:52
